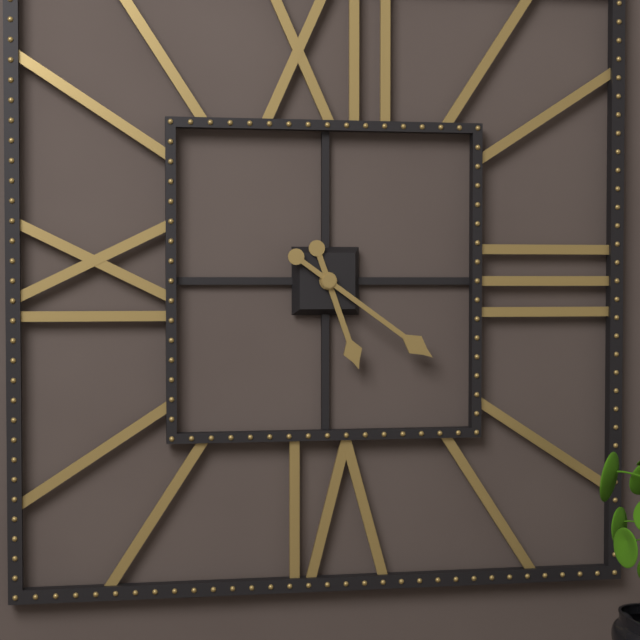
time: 5:21
